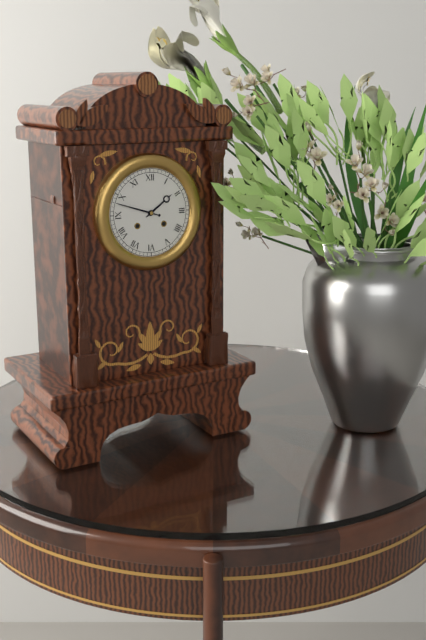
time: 1:48
